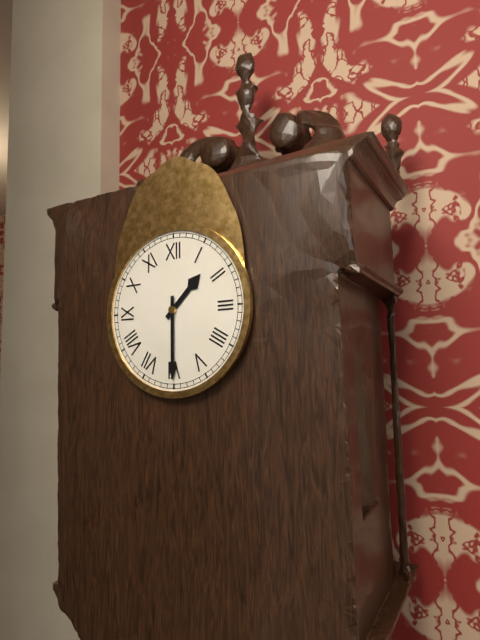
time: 1:30
